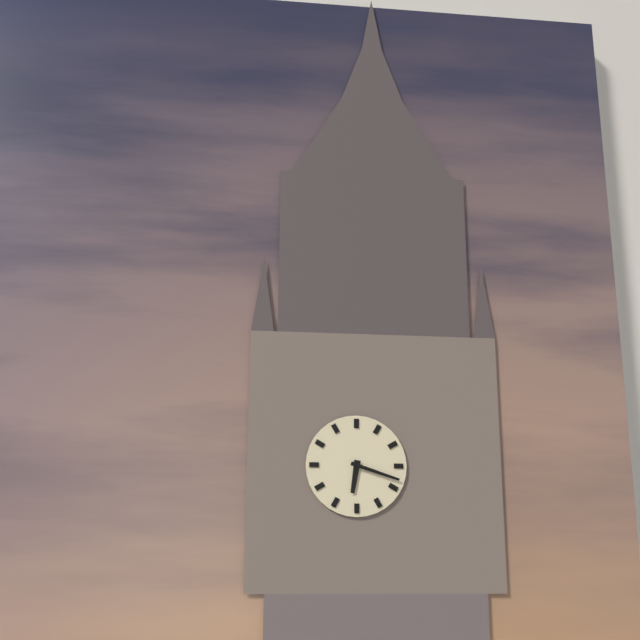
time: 6:18
